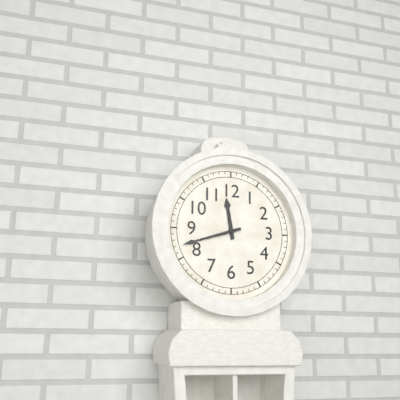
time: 11:42
